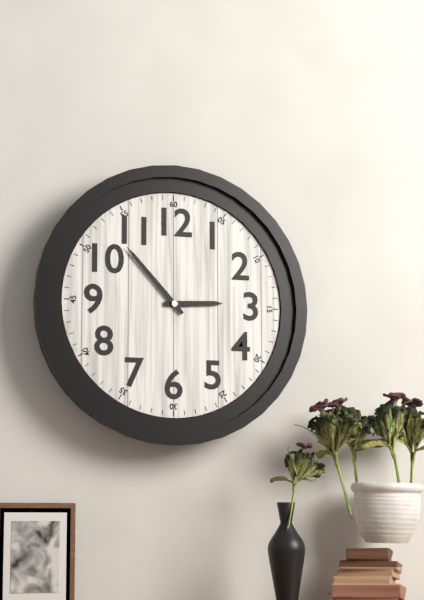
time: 2:53
